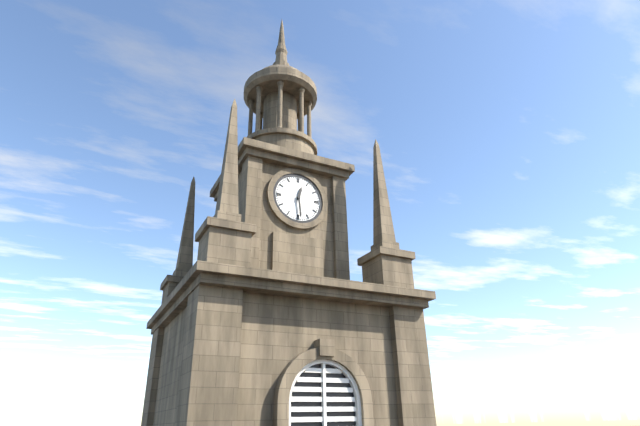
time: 12:29
